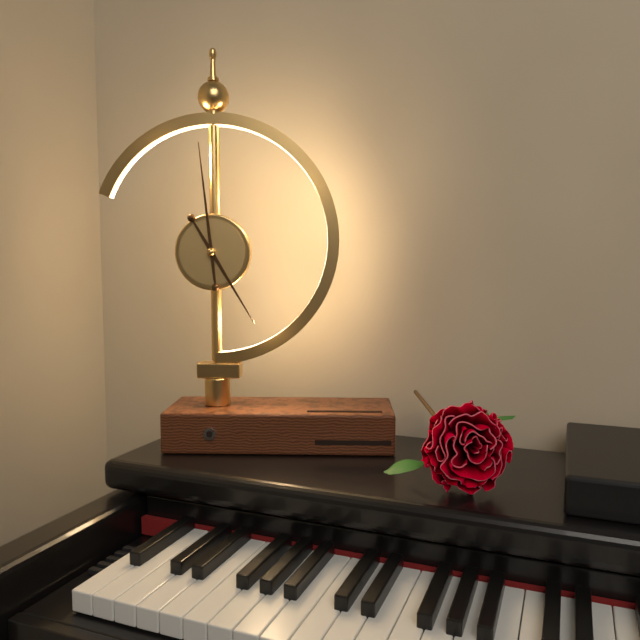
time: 4:59
